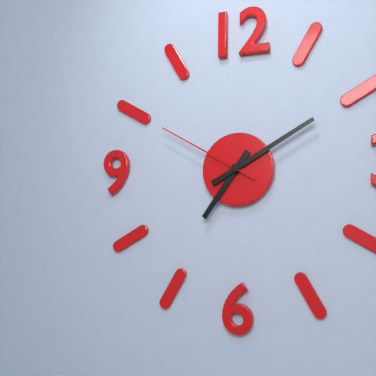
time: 7:10:50
